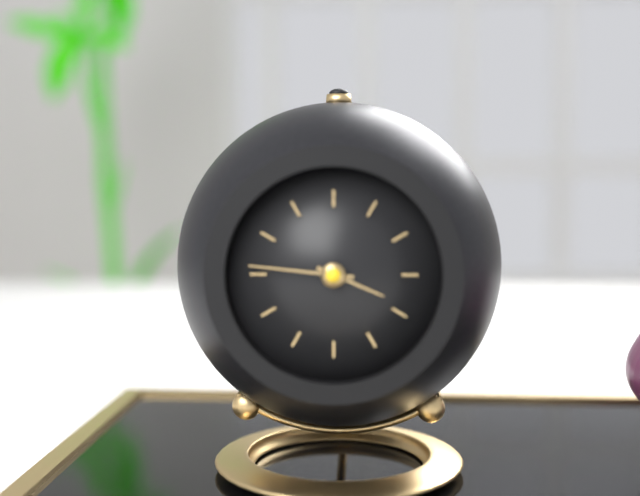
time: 3:46
